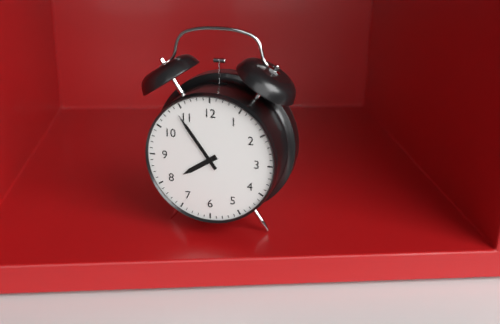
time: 7:54
